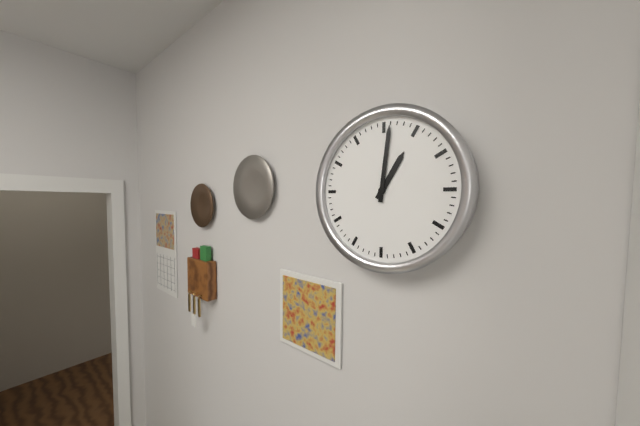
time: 1:01
